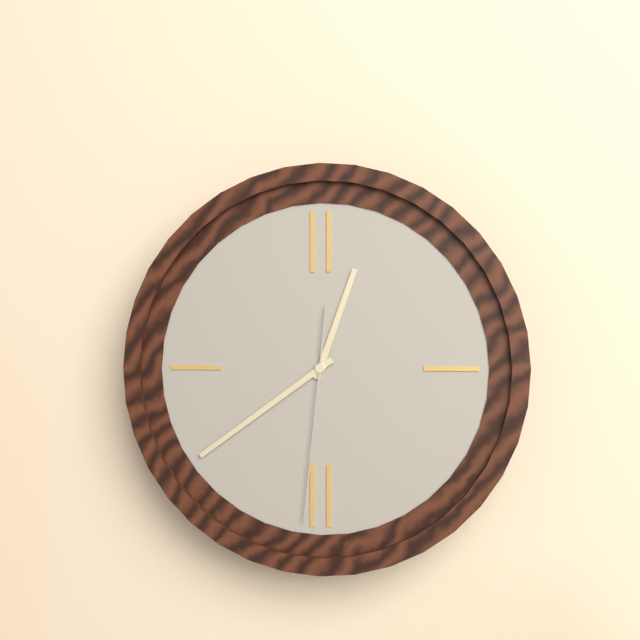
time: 12:39:31
